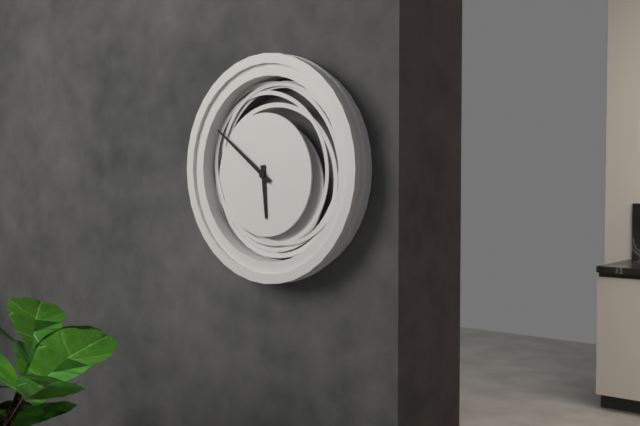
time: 5:51
